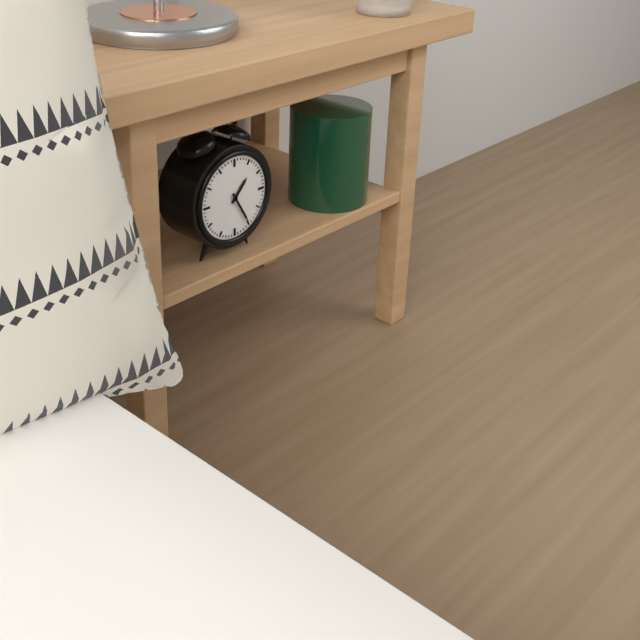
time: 1:25
